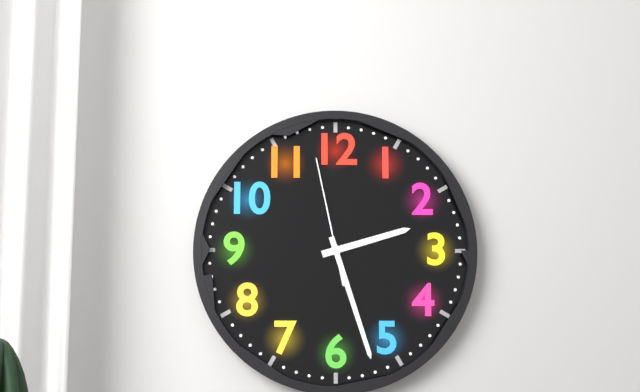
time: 2:27:58
